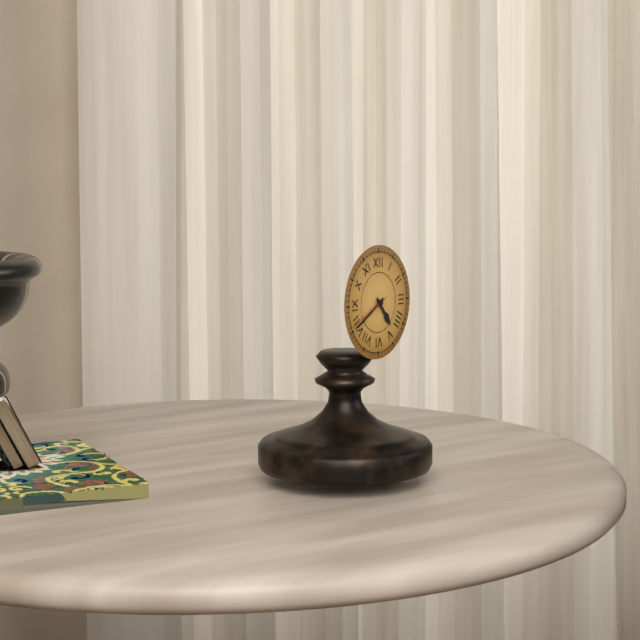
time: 4:40
